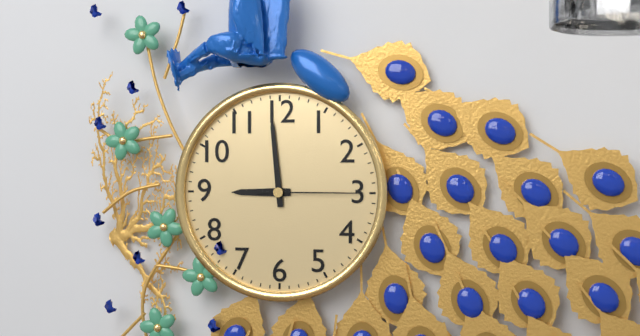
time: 8:59:15
